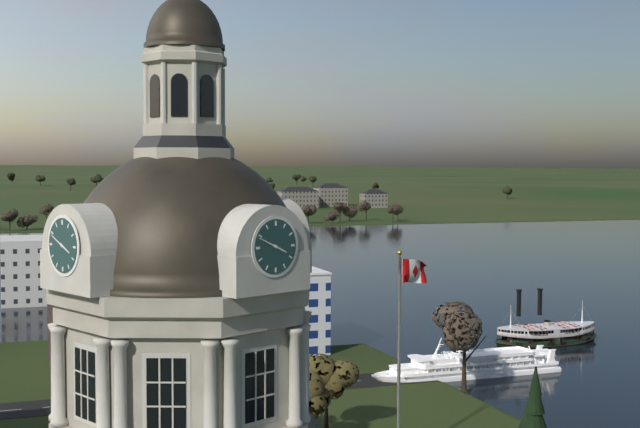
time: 3:49
